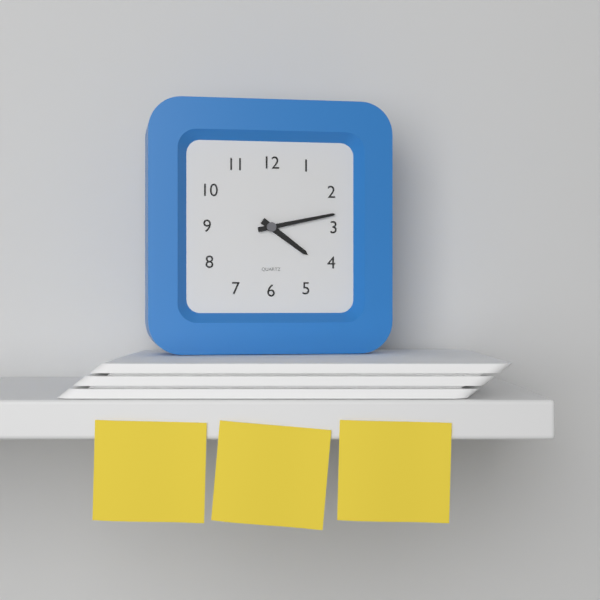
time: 4:13
